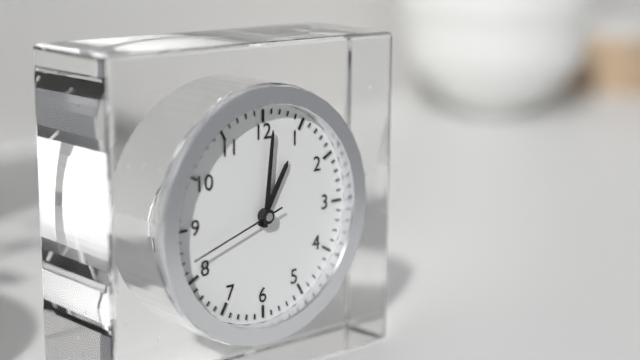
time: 1:01:42
